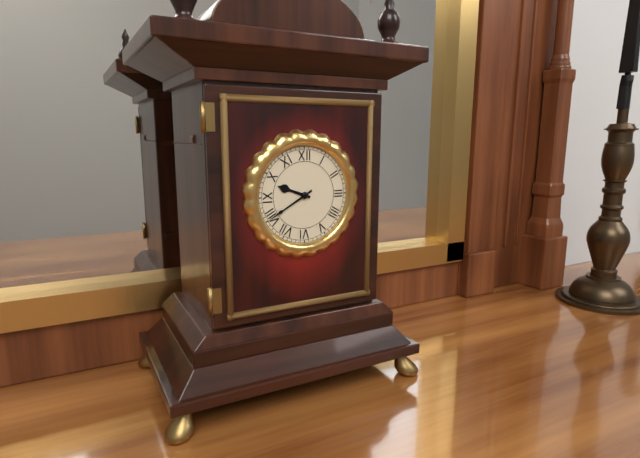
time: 9:40
